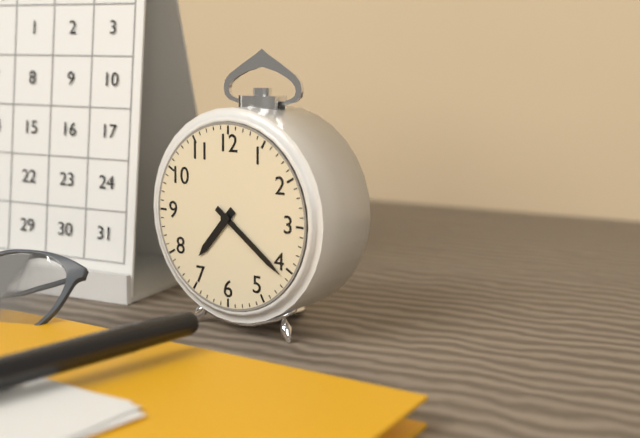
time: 7:21
